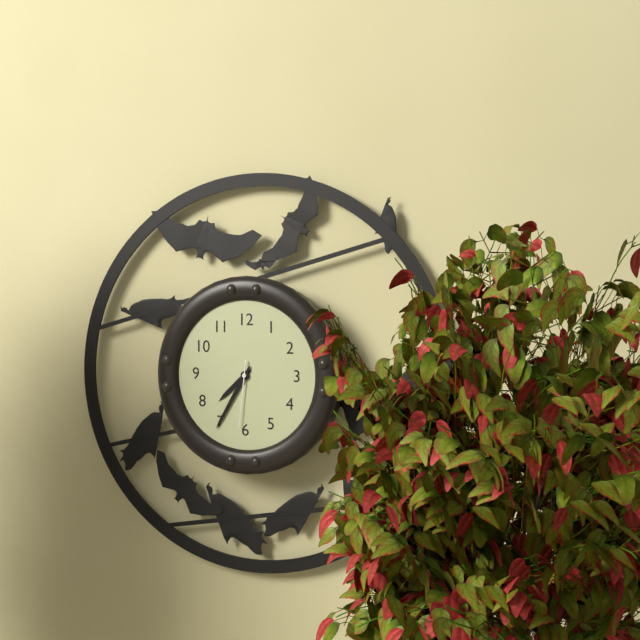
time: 7:35:31
